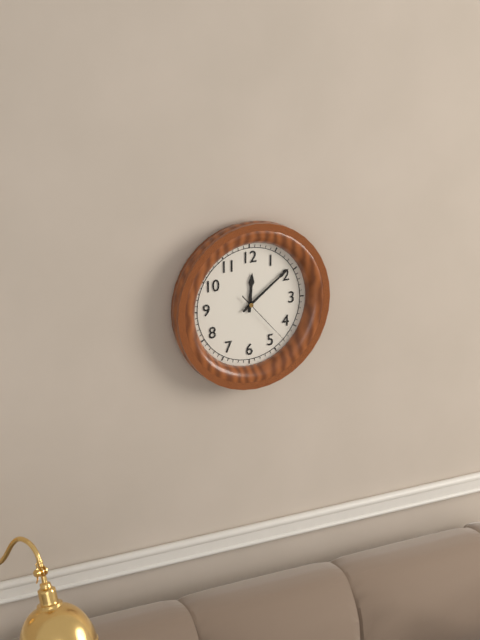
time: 12:09:23
